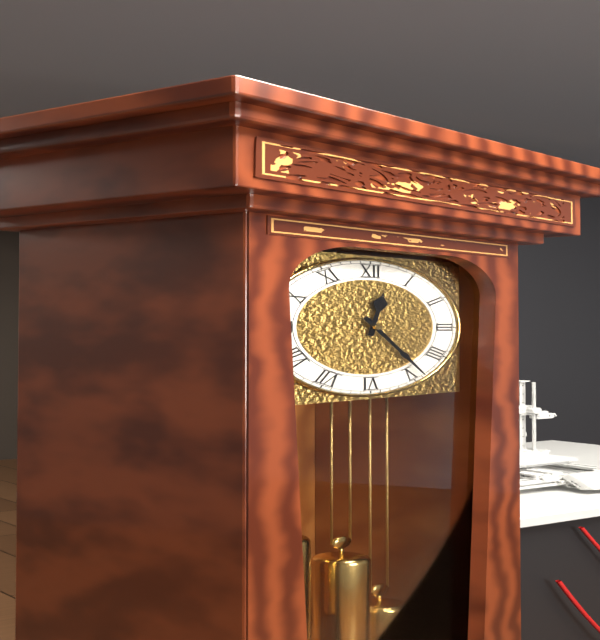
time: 12:24
